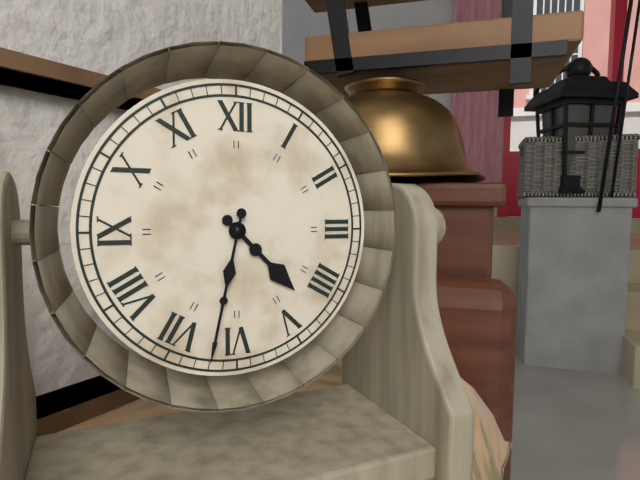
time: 4:32
